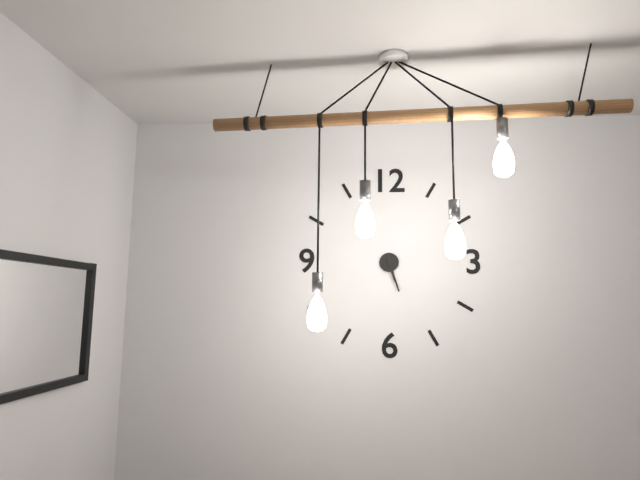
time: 5:27
